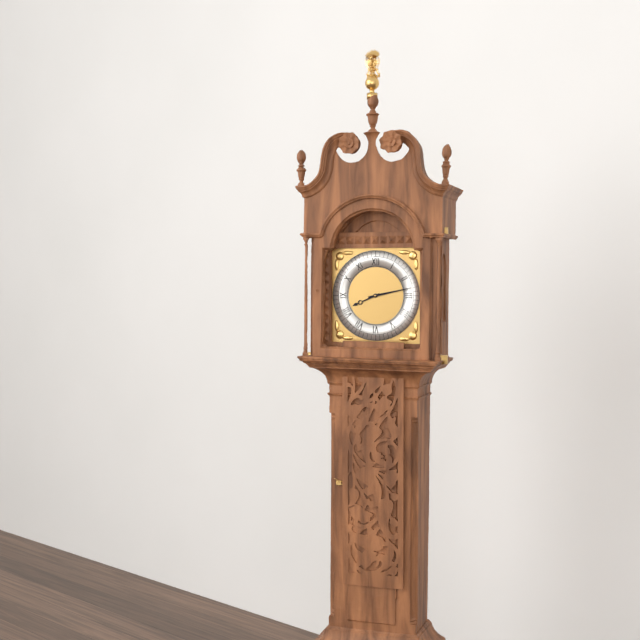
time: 8:13
